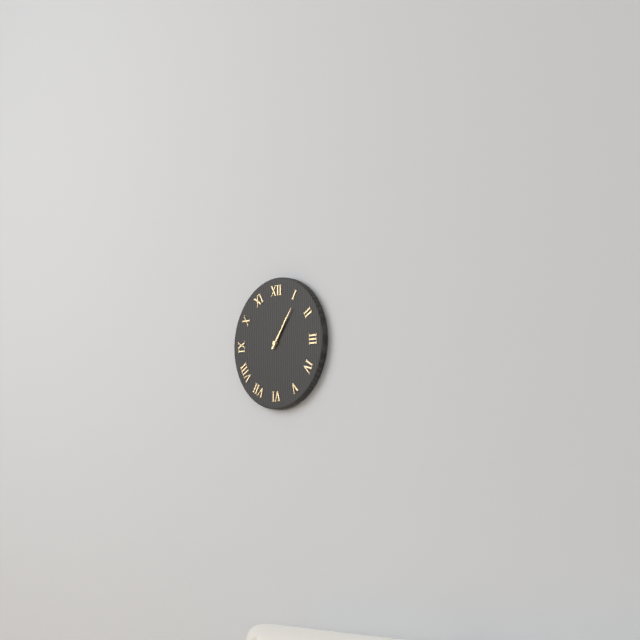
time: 1:06
